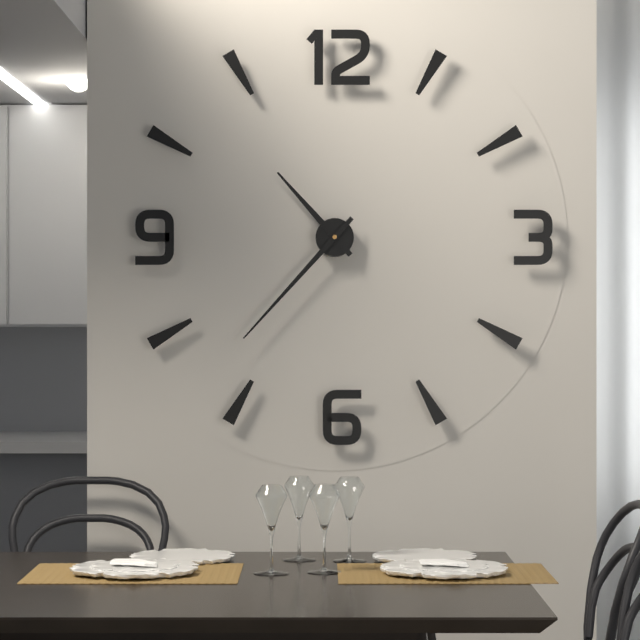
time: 10:37
